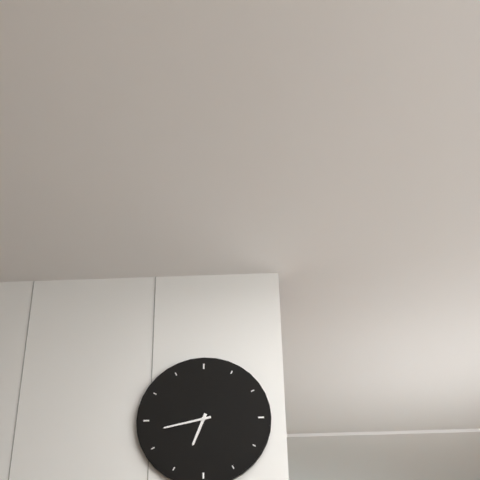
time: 6:43
